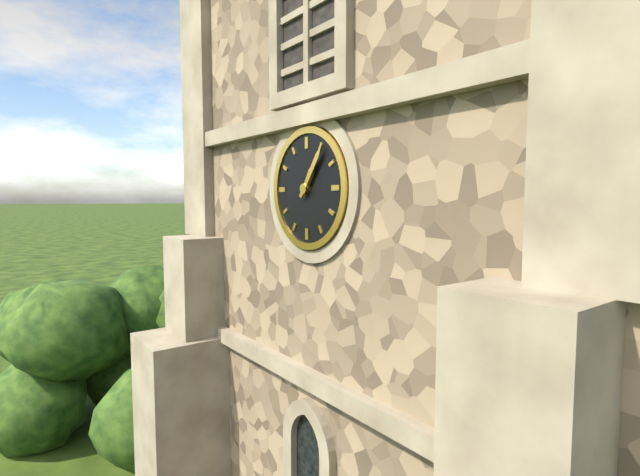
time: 1:06
